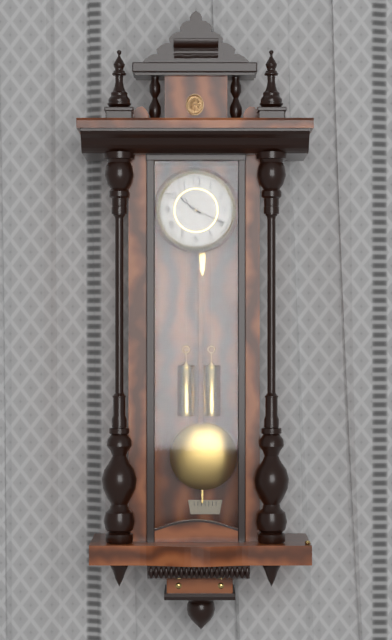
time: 10:19
